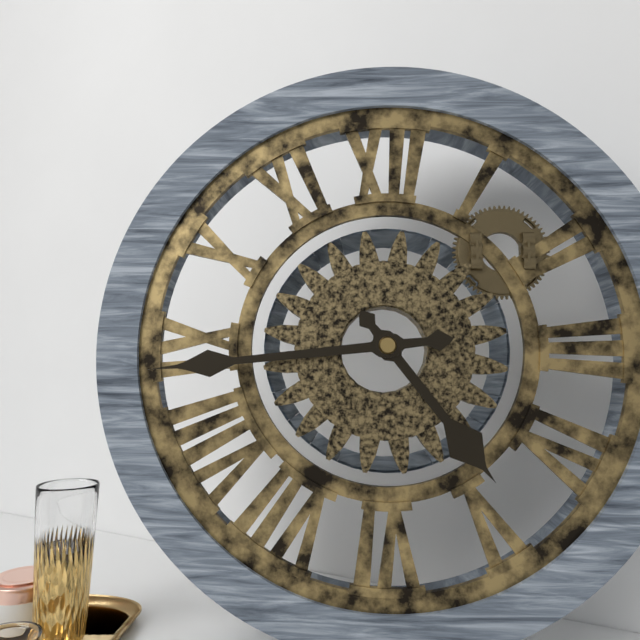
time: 4:44
